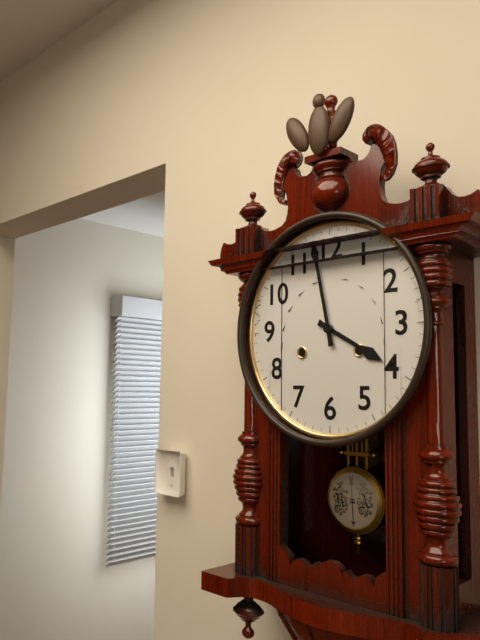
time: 3:58
